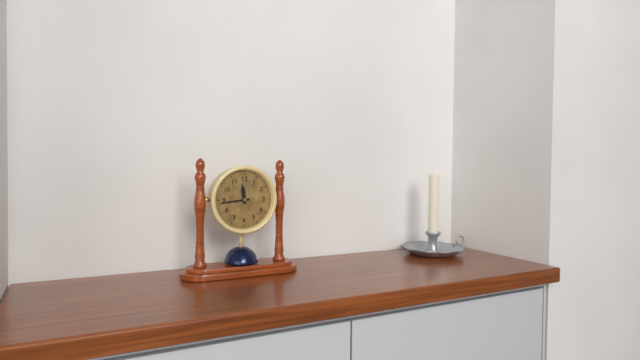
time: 11:44
